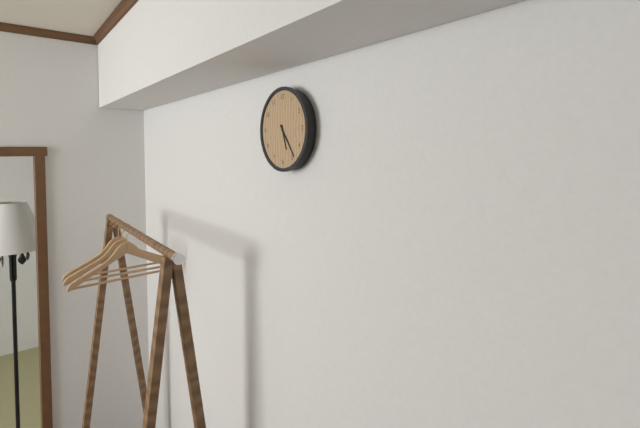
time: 5:24
